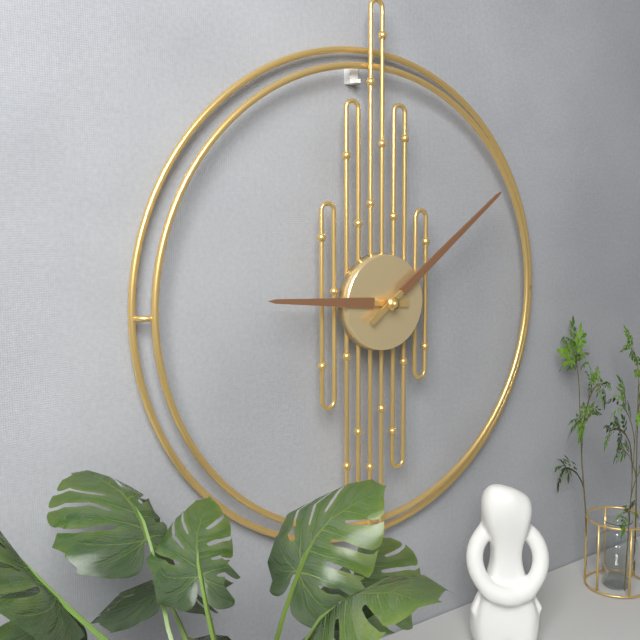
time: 9:09
